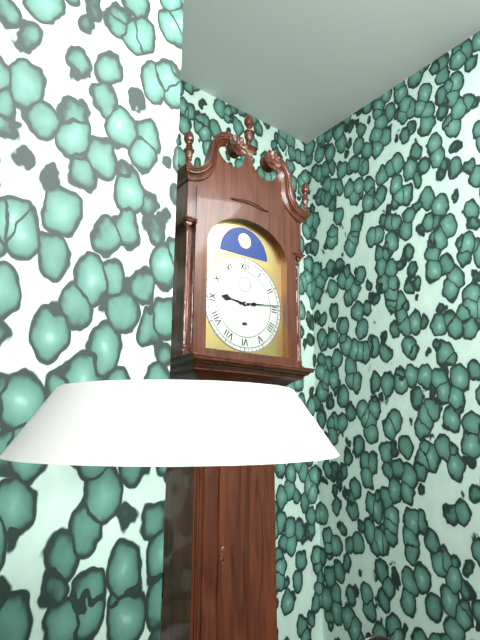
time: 9:14
